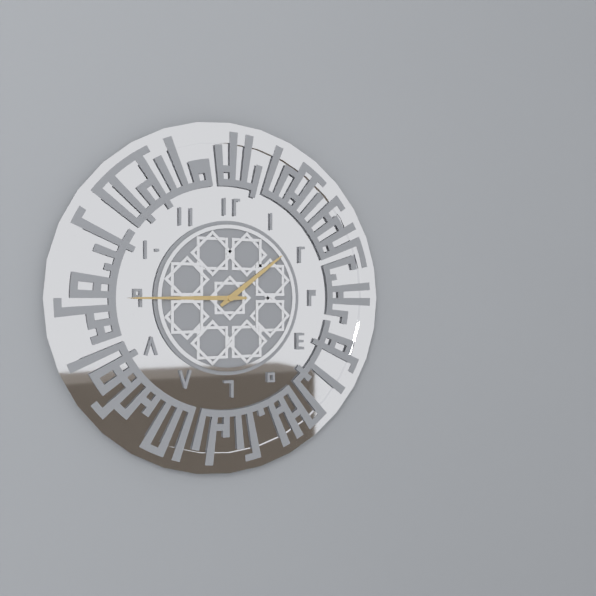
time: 1:45
